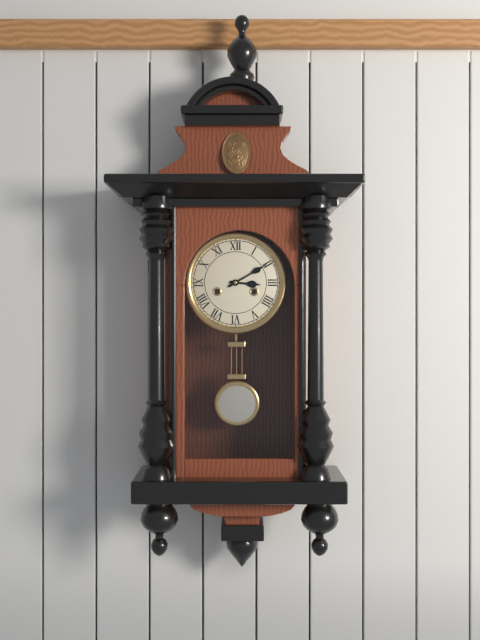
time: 3:10
